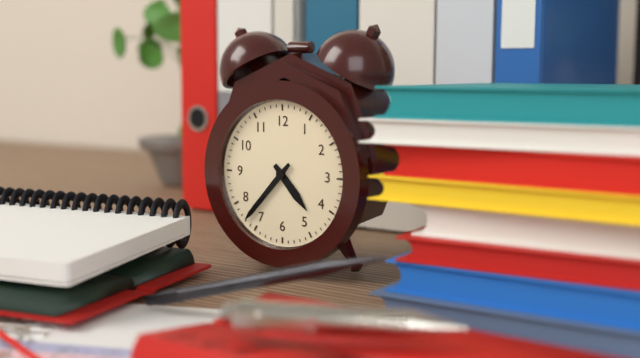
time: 4:37
